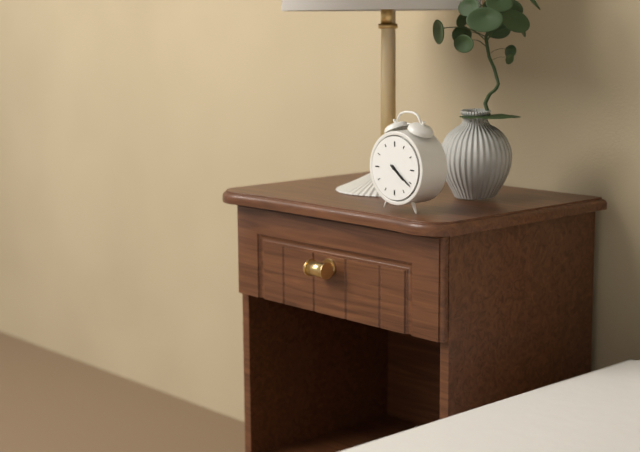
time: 4:21
